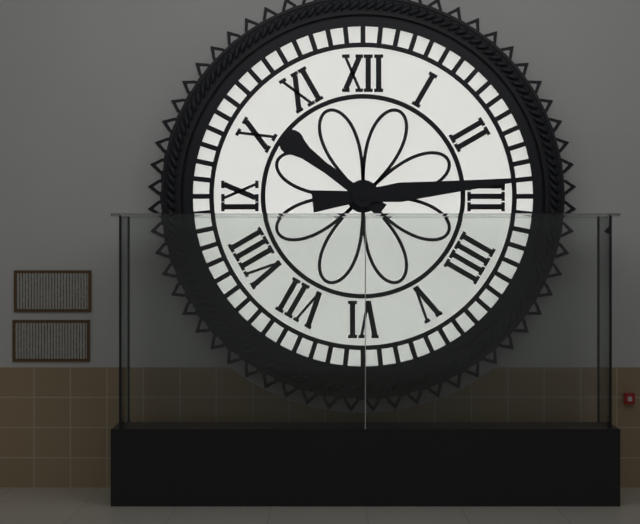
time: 10:14
